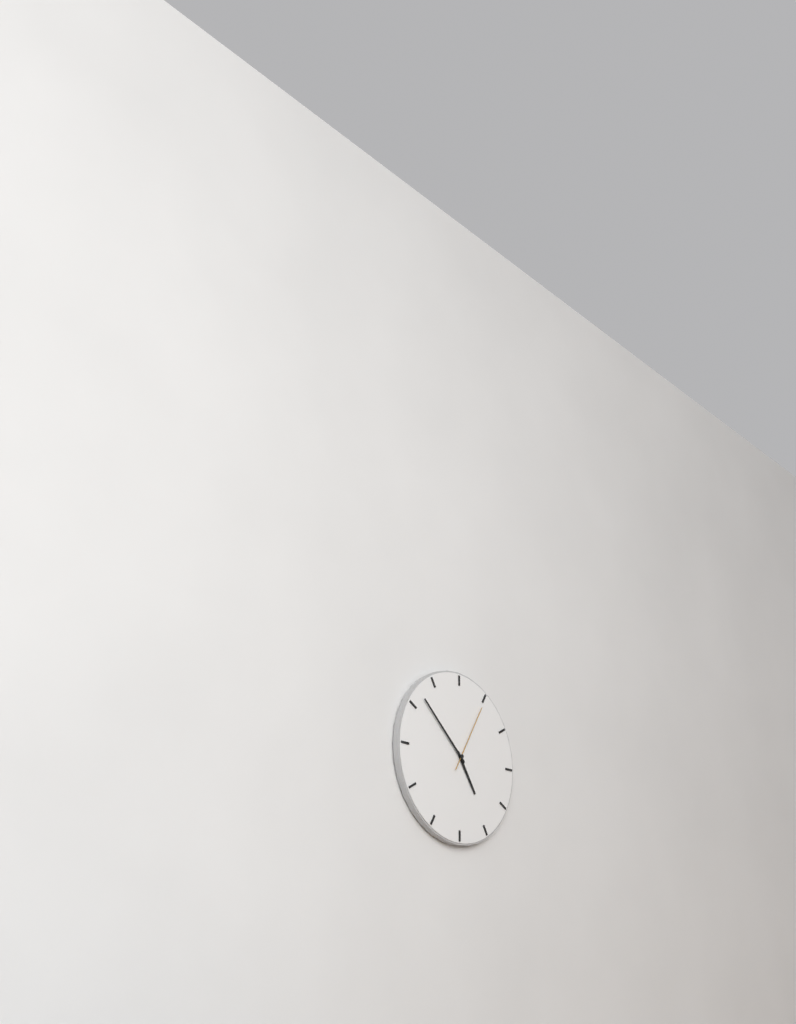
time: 4:52:05
